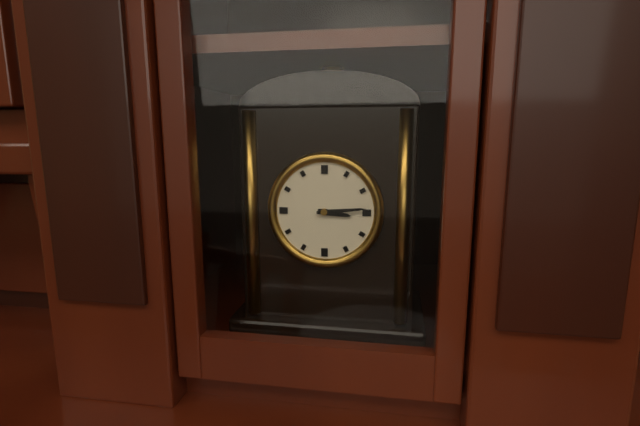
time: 3:14
